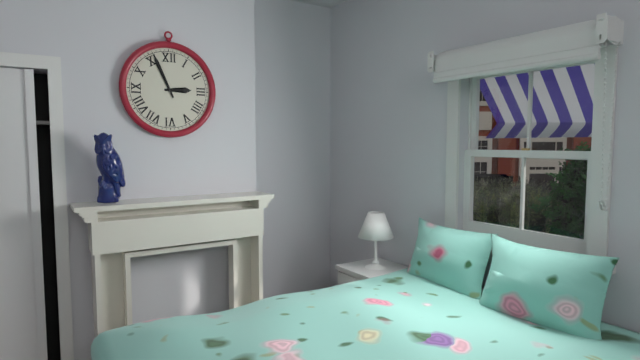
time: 2:56
